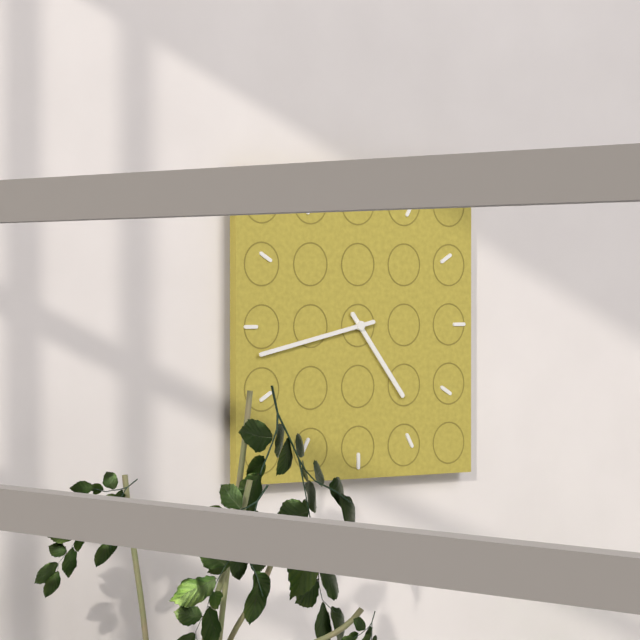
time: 4:43
